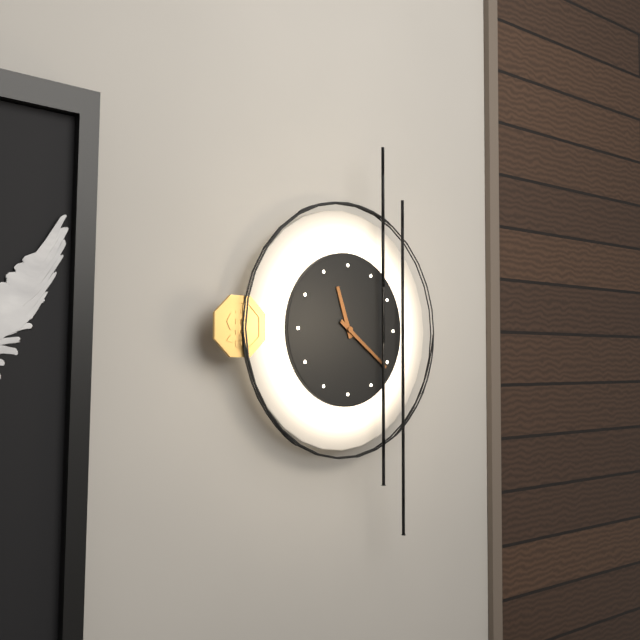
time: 11:21
